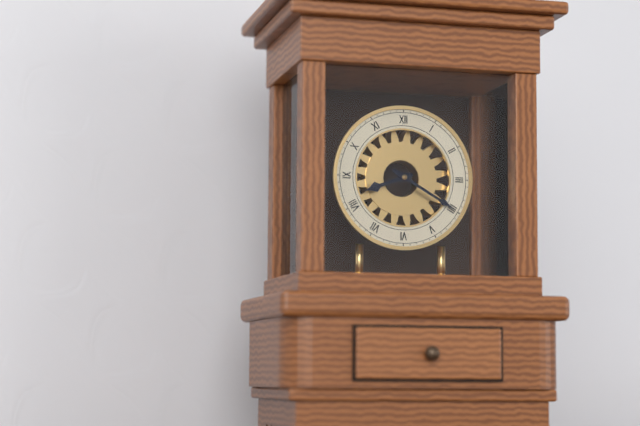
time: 8:20
